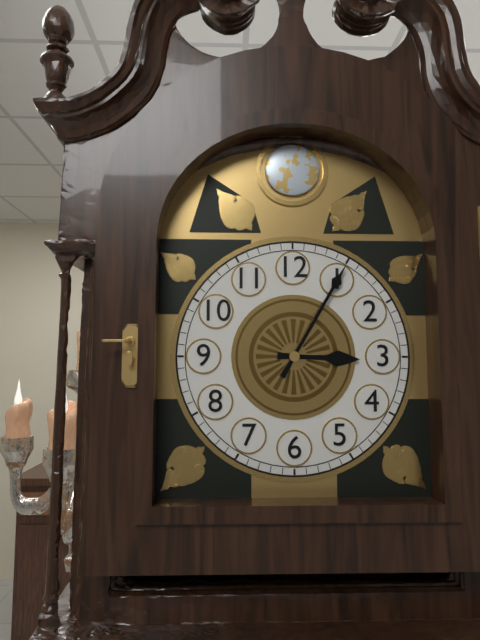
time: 3:05
